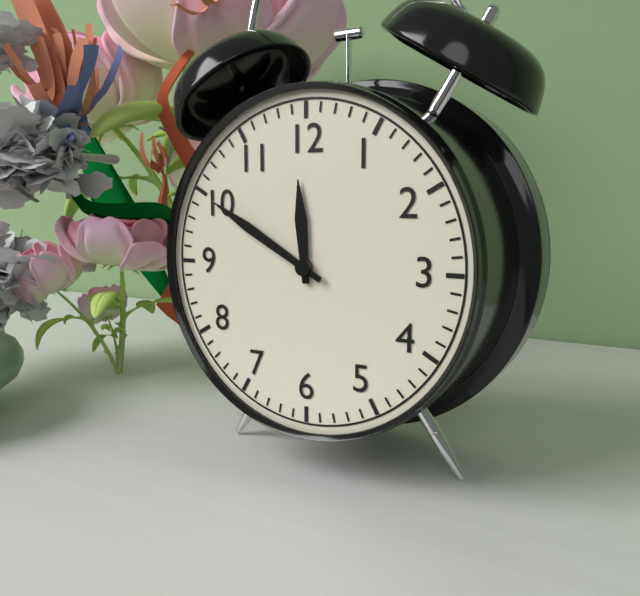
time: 11:50
